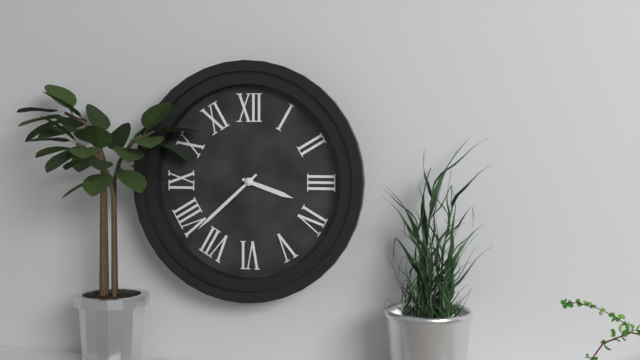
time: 3:38
